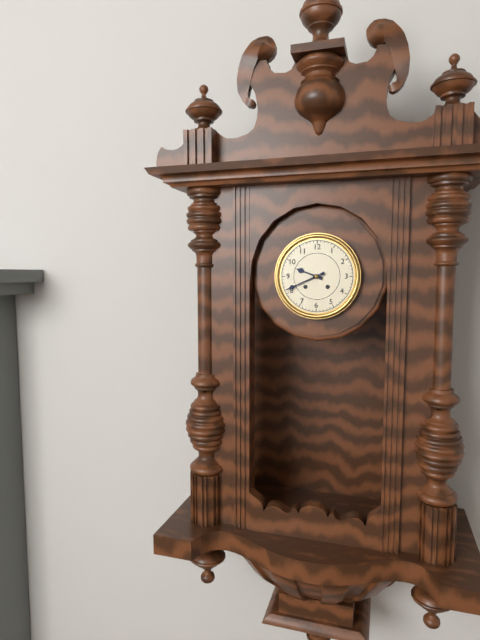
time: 9:41
